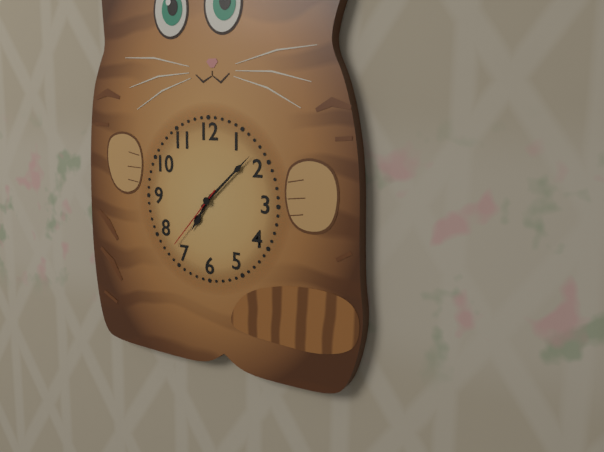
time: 7:08:37
